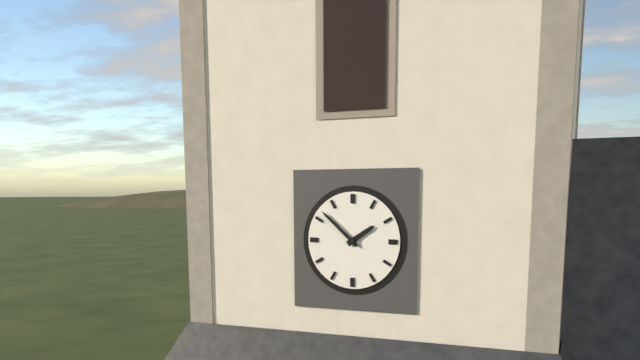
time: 1:52
